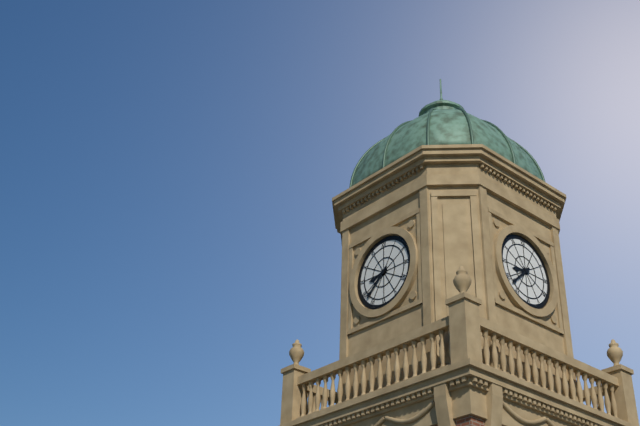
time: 8:38
